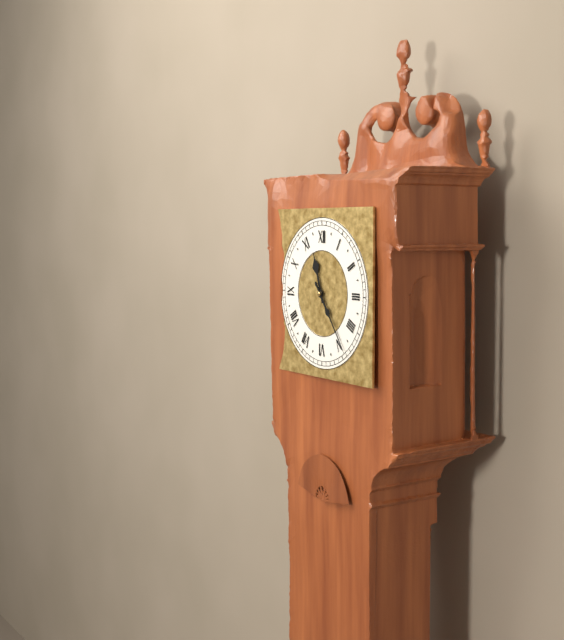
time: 11:24
